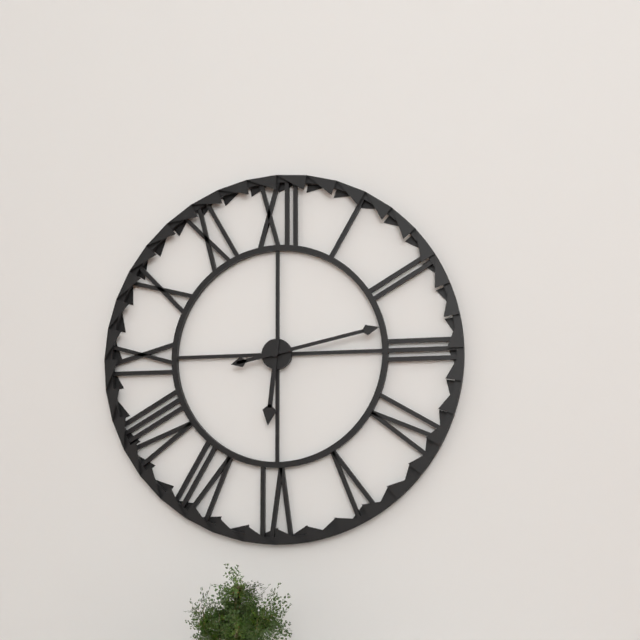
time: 6:13
